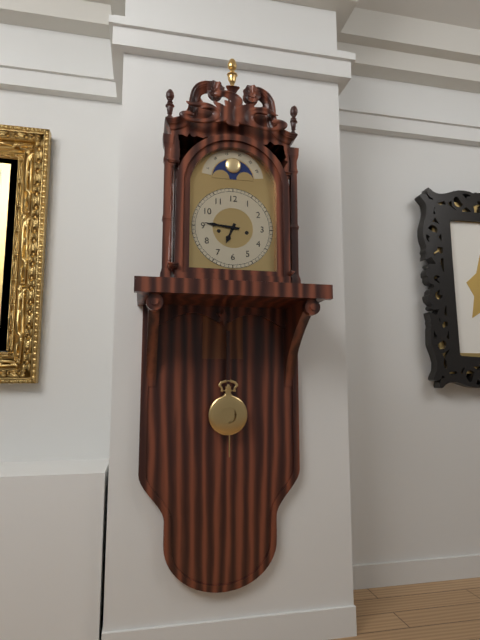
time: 6:46
